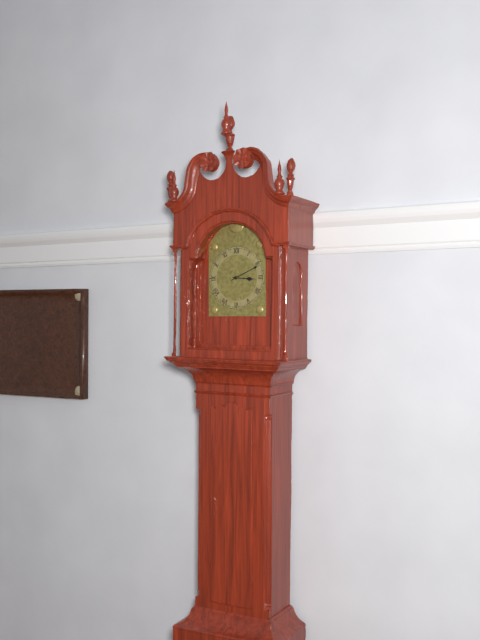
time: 3:11
